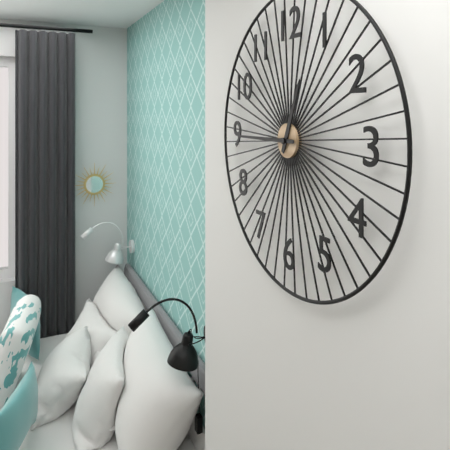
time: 12:45
